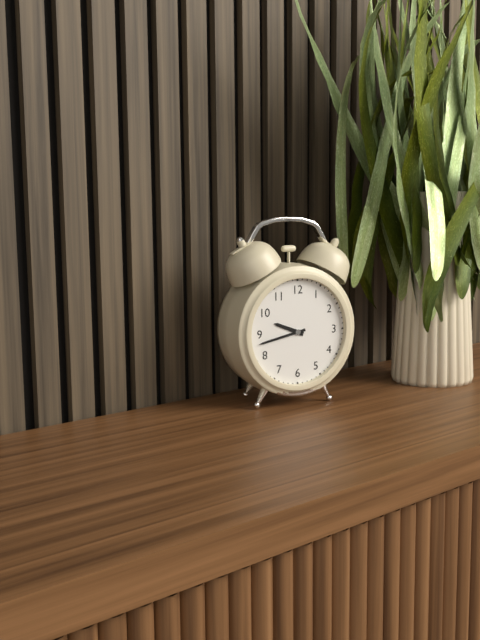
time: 9:43
